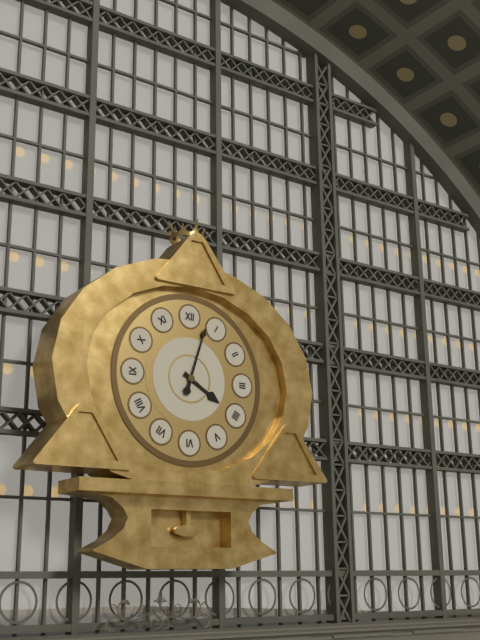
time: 4:03
